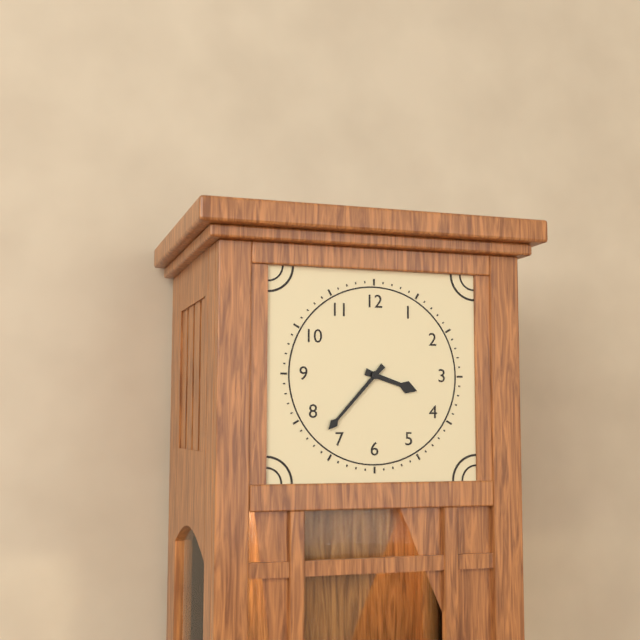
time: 3:37
